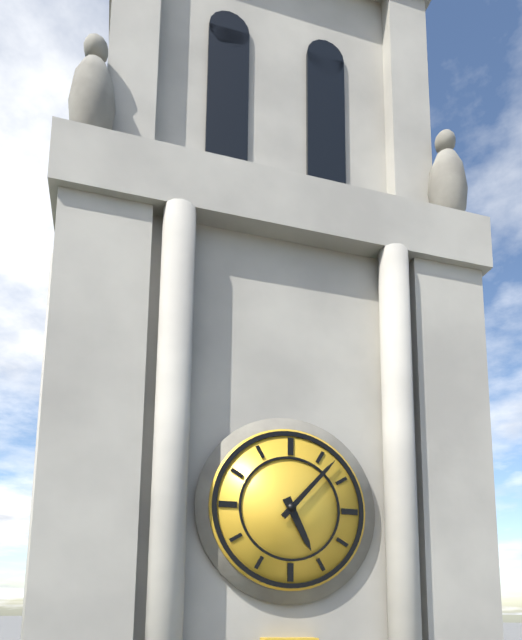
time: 5:07
